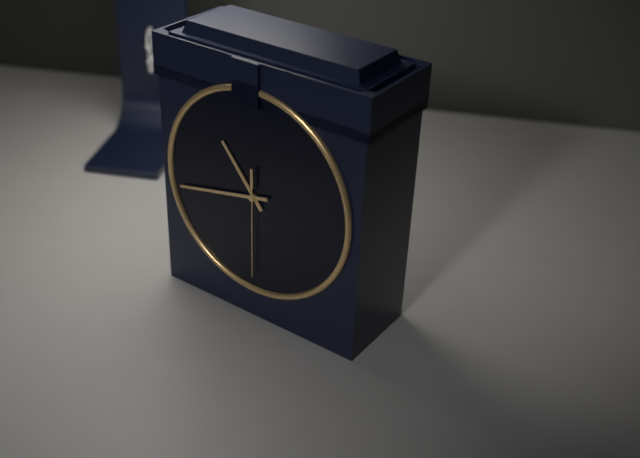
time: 10:43:30
